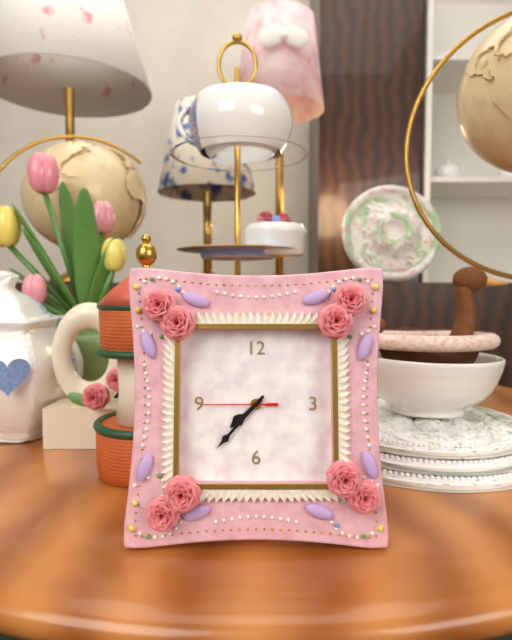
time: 7:37:45
